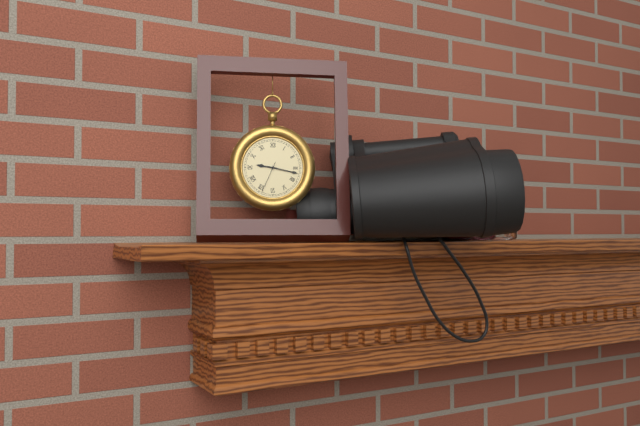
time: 9:17
